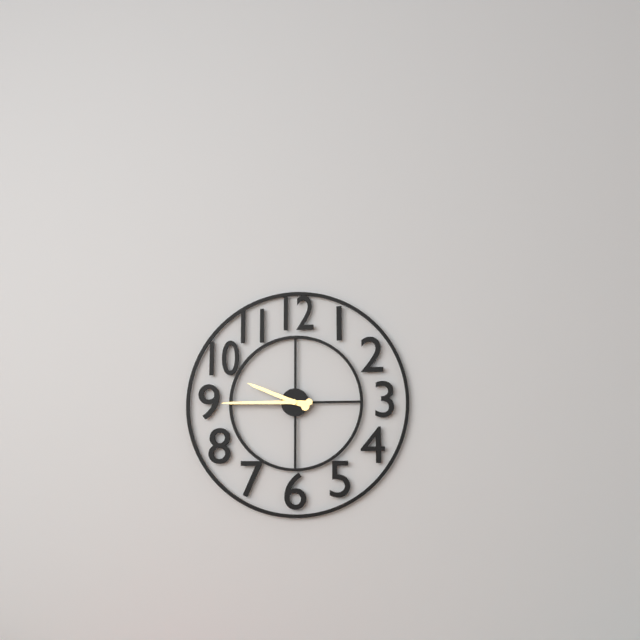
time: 9:45
